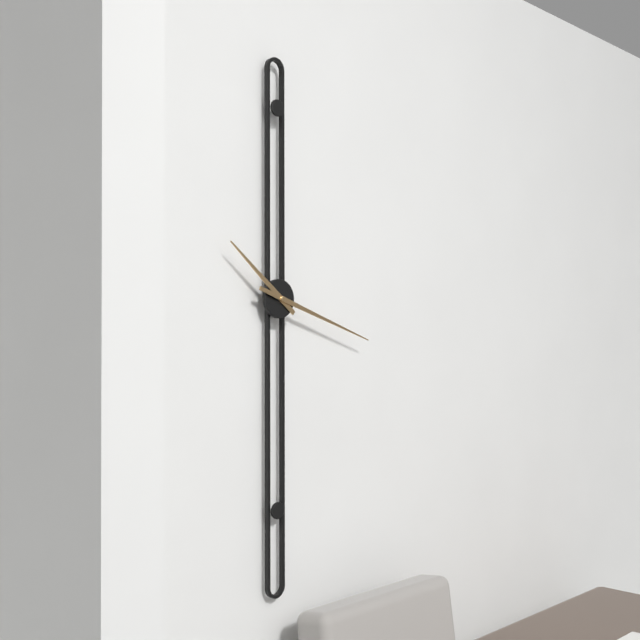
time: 10:18
